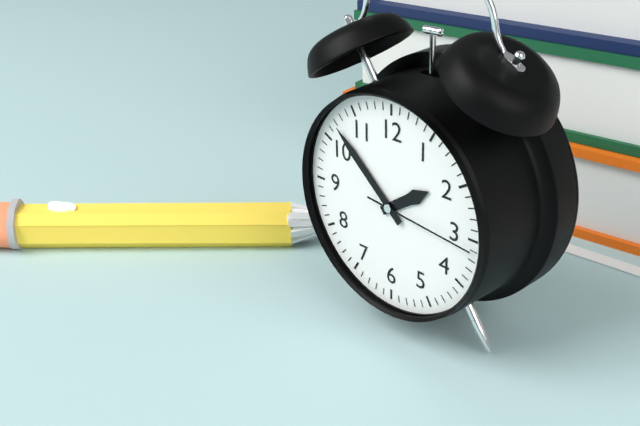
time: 1:52:16
